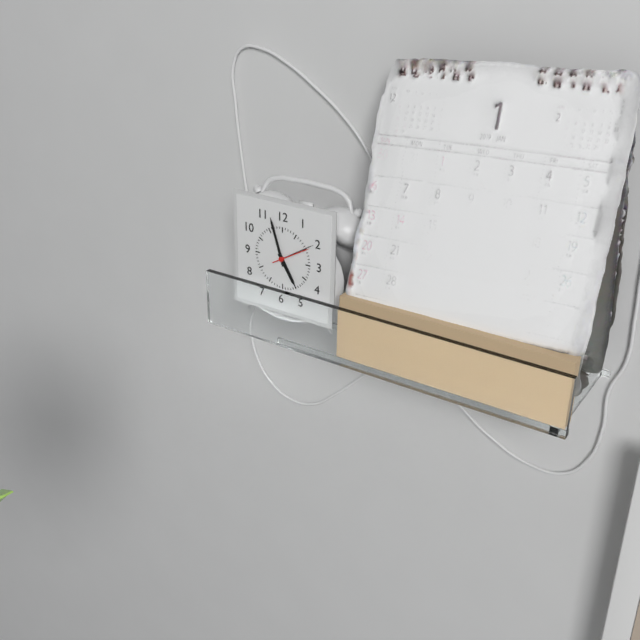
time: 4:57
